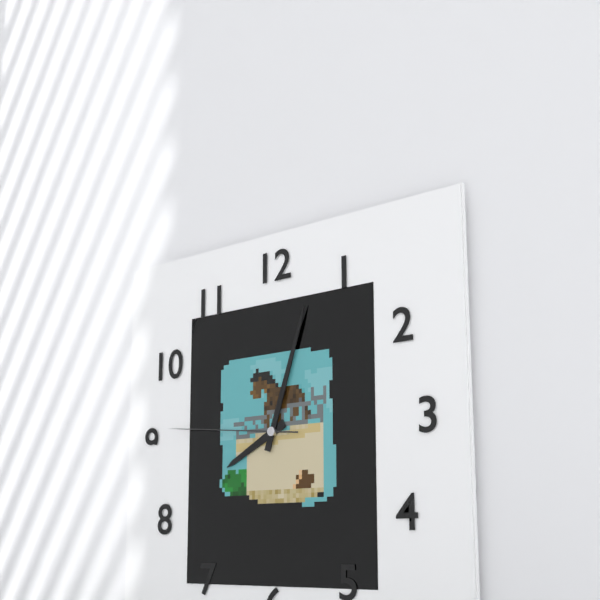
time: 8:03:46
